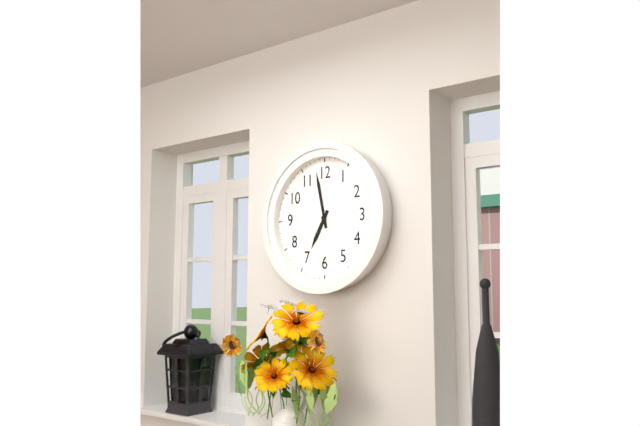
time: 6:58
